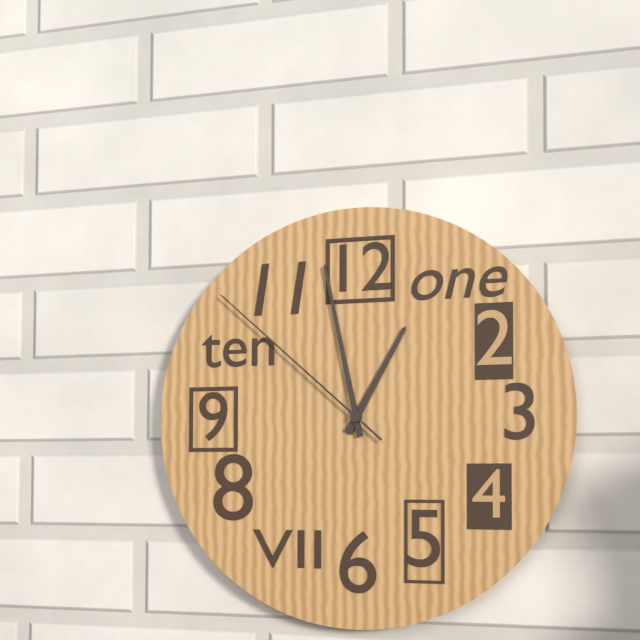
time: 12:58:52
